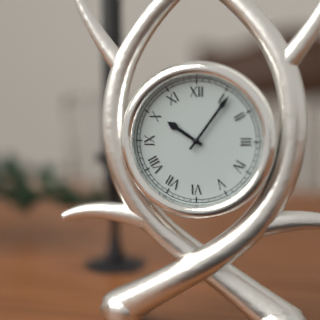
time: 10:06
